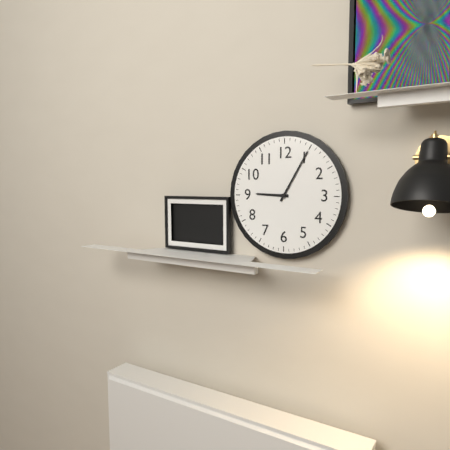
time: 9:05
